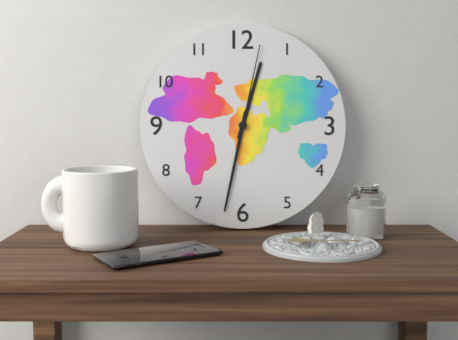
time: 12:32:02
